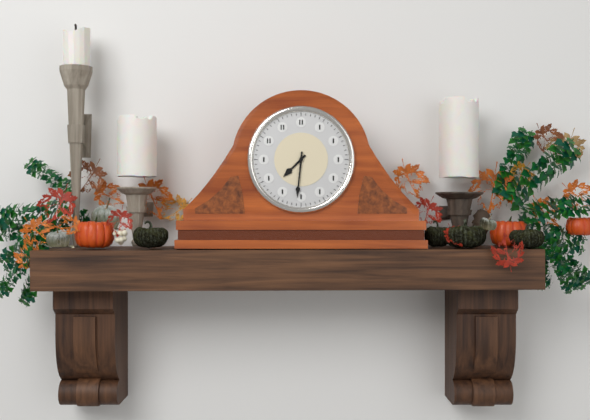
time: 7:31
